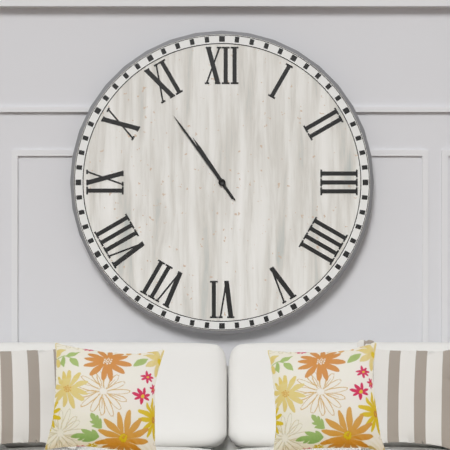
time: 10:54
